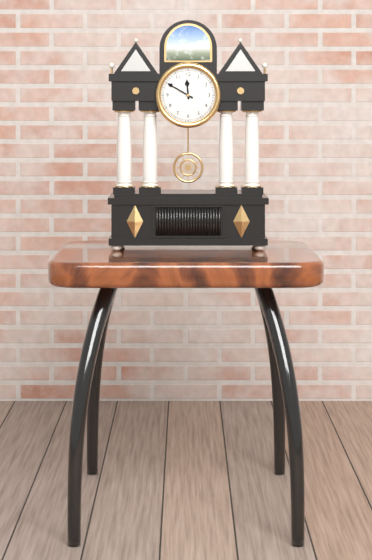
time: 11:50
